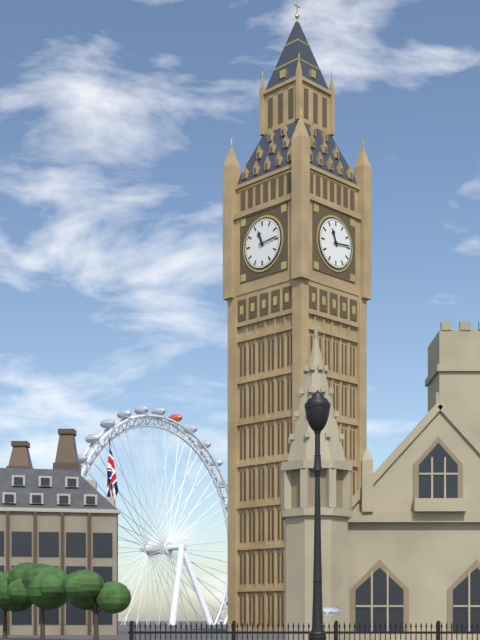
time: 11:14
